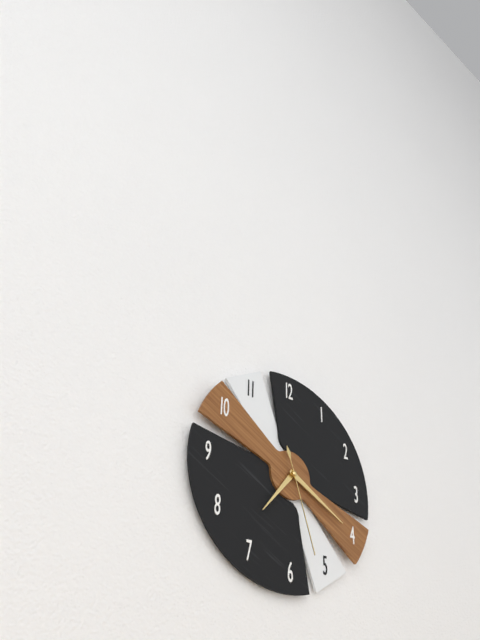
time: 7:20:27
